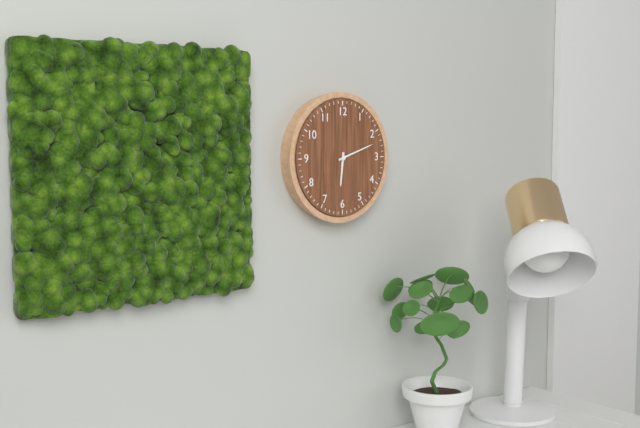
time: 6:12
